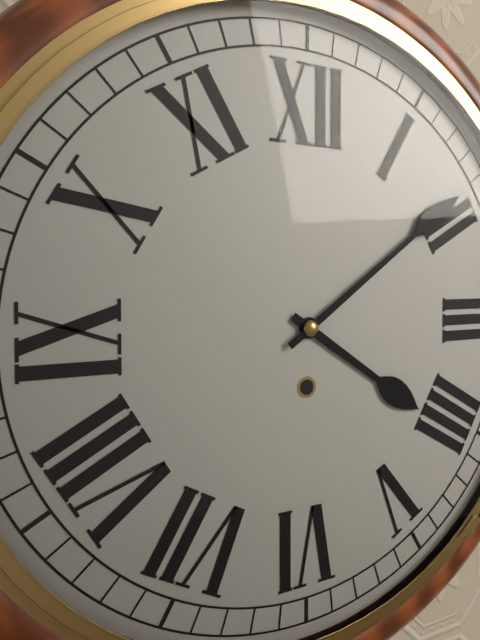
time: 4:09
